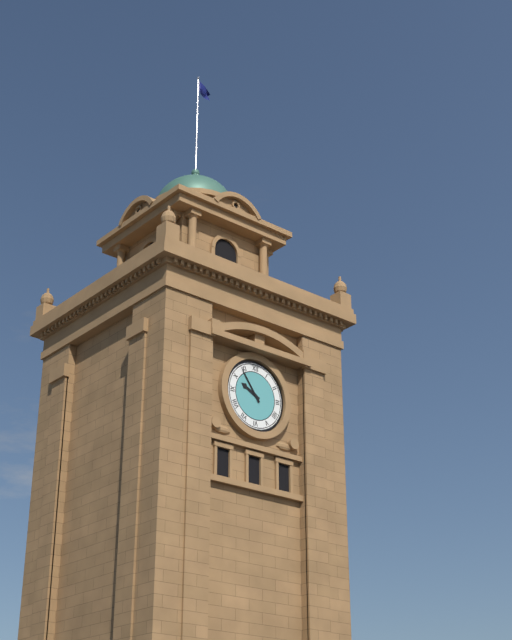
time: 9:54
